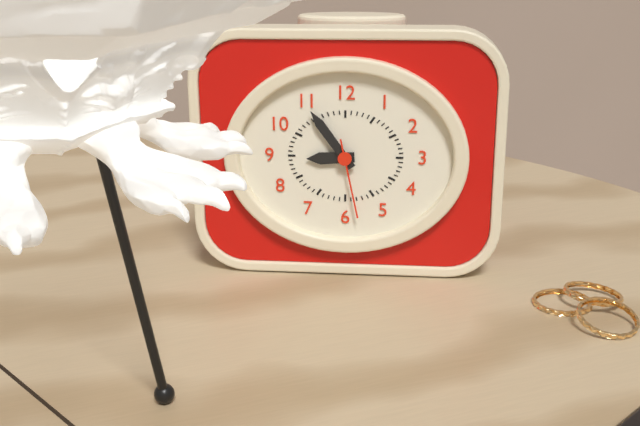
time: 8:54:28
